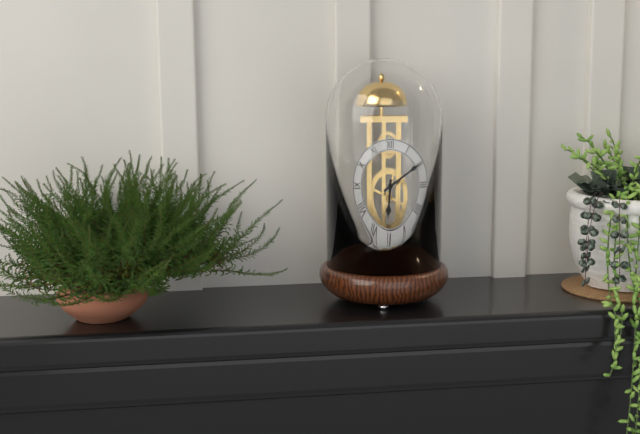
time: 6:10
